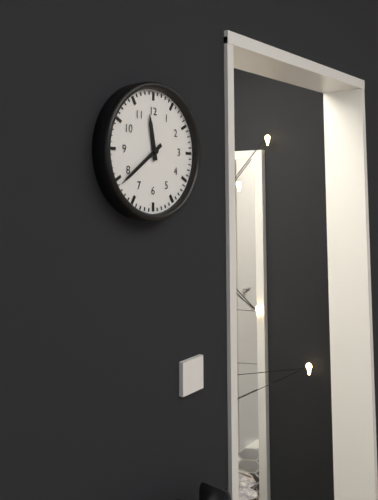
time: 11:39
